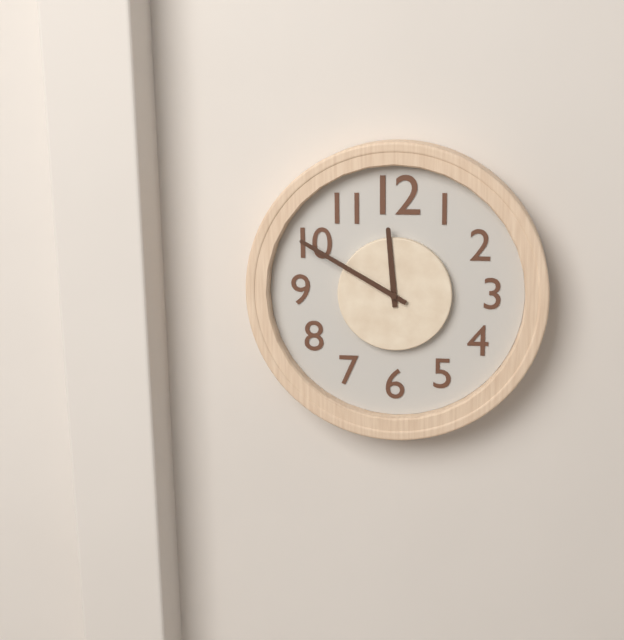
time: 11:50
